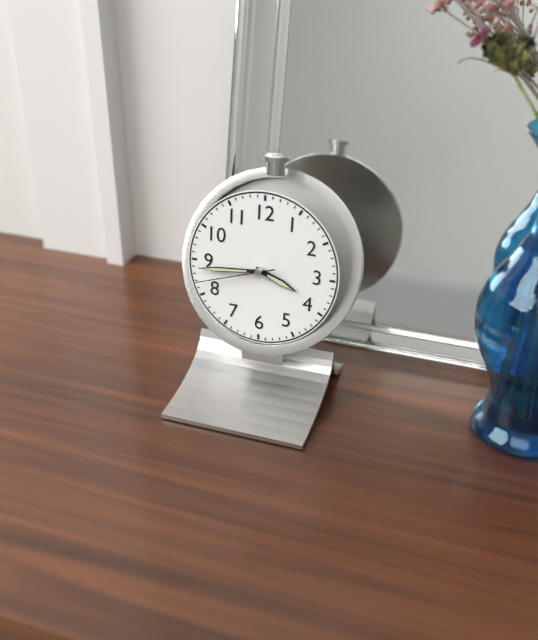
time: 3:44:42
